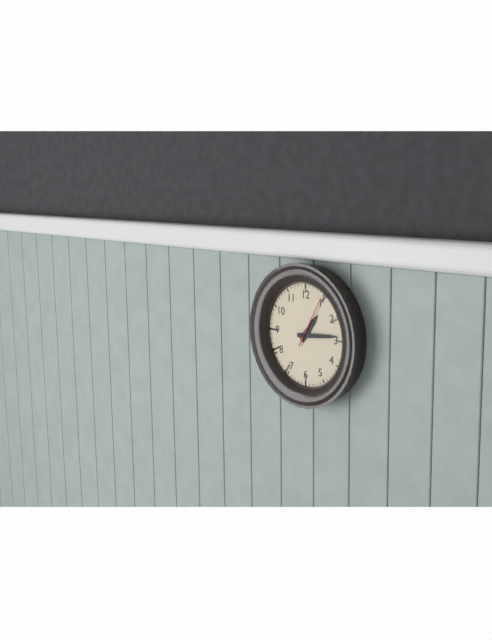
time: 1:14
